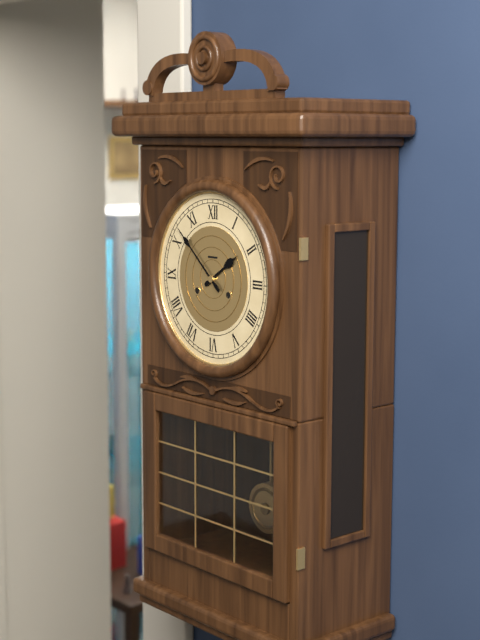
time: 1:52
